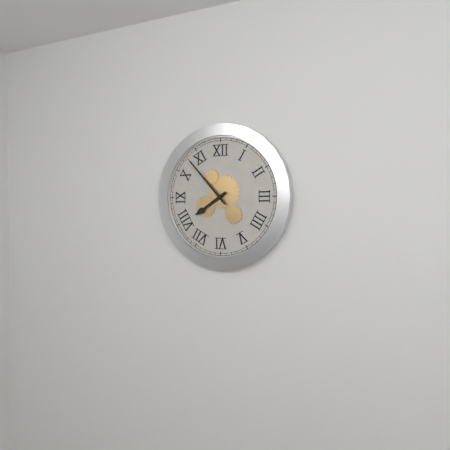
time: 7:53
